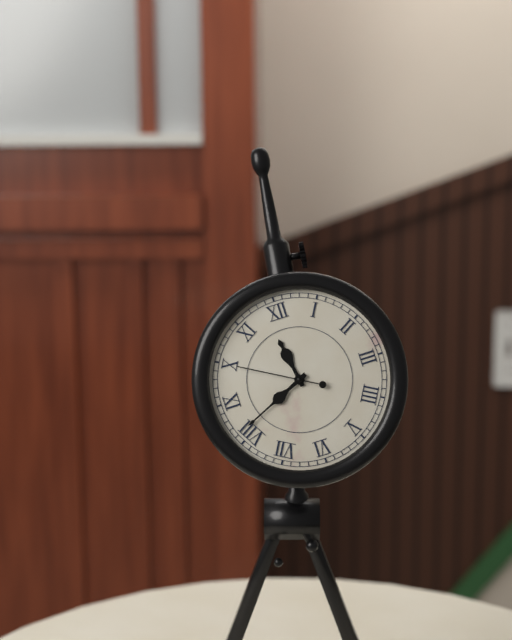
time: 11:41:50
